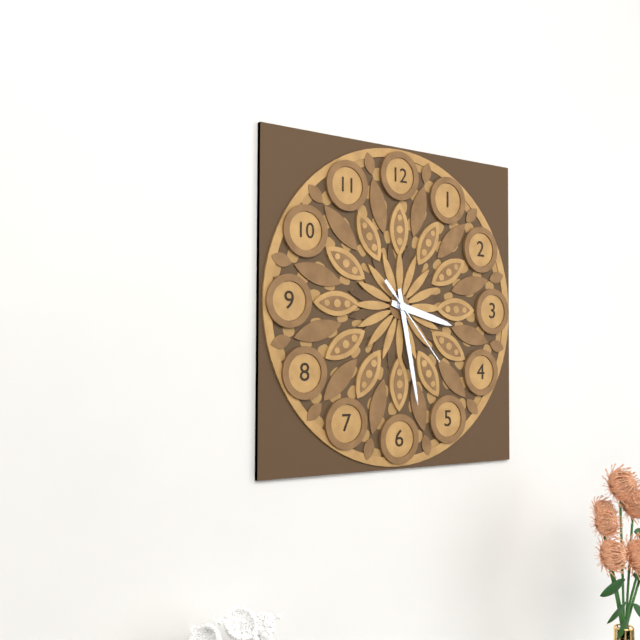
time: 3:28:23
